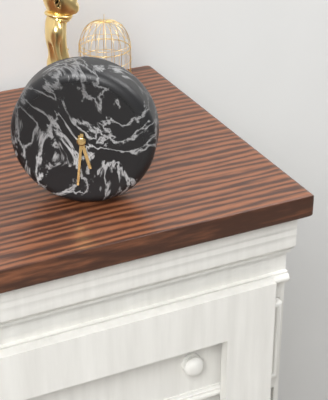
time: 5:31
